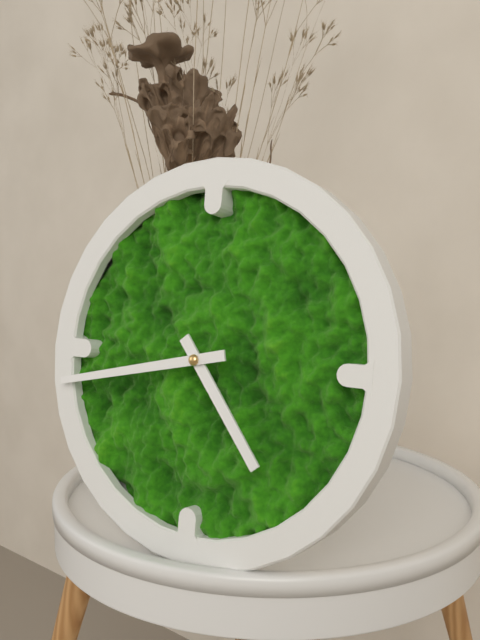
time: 4:43
